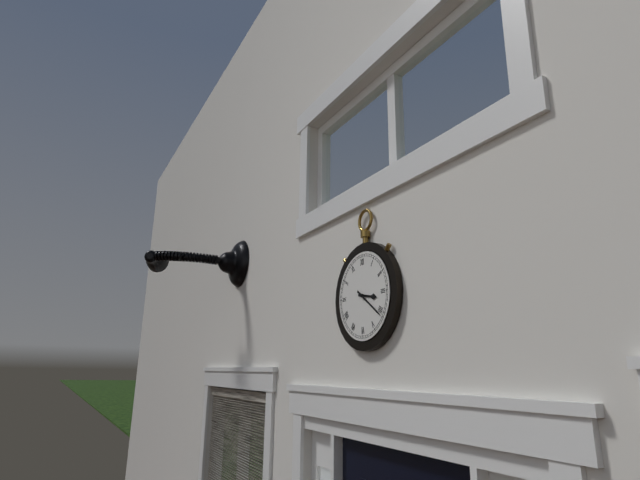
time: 3:21
